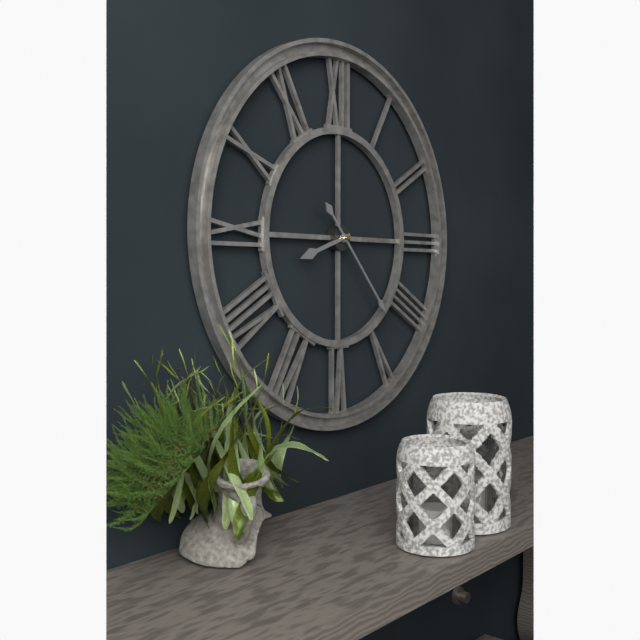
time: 8:23
